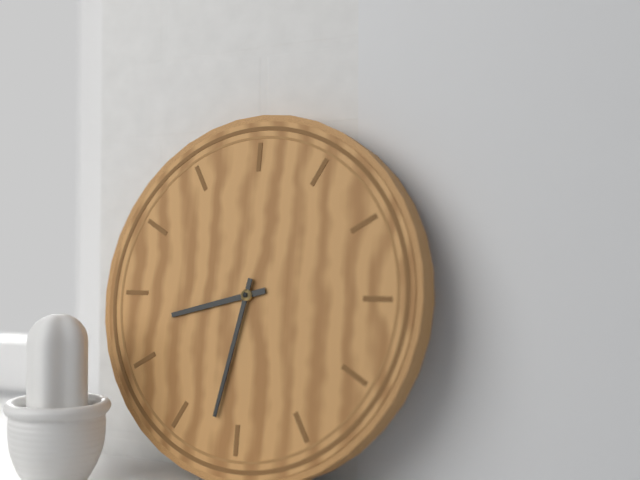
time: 8:32
